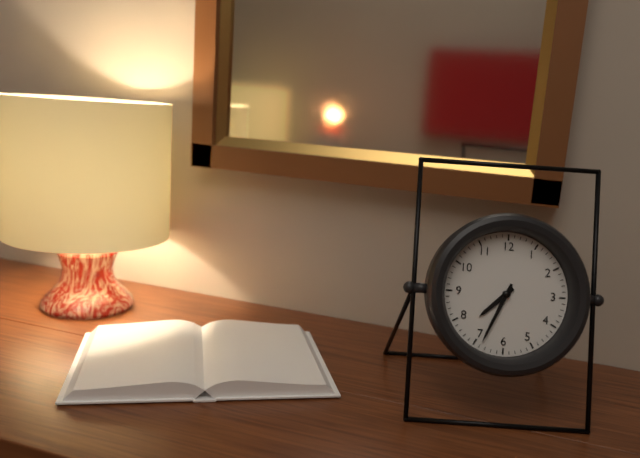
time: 7:34
